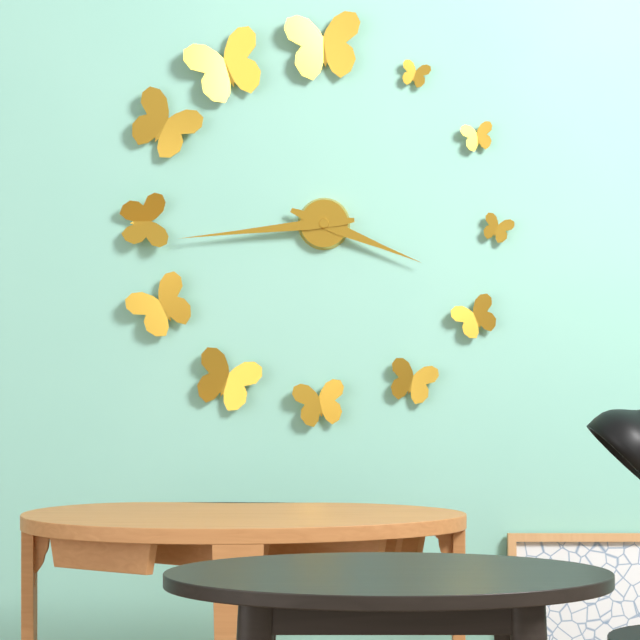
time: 3:44
